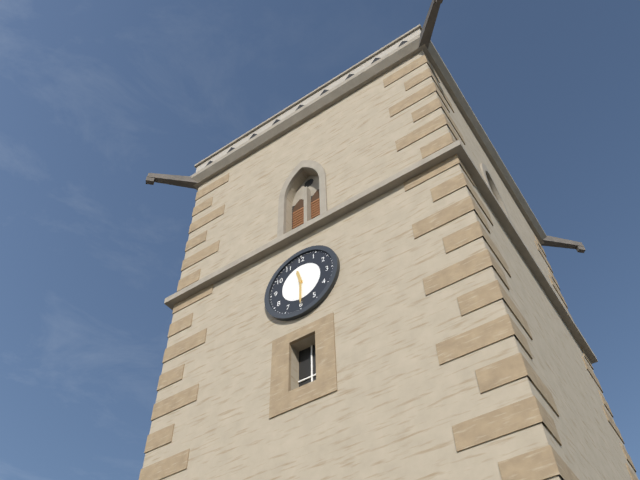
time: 11:30
